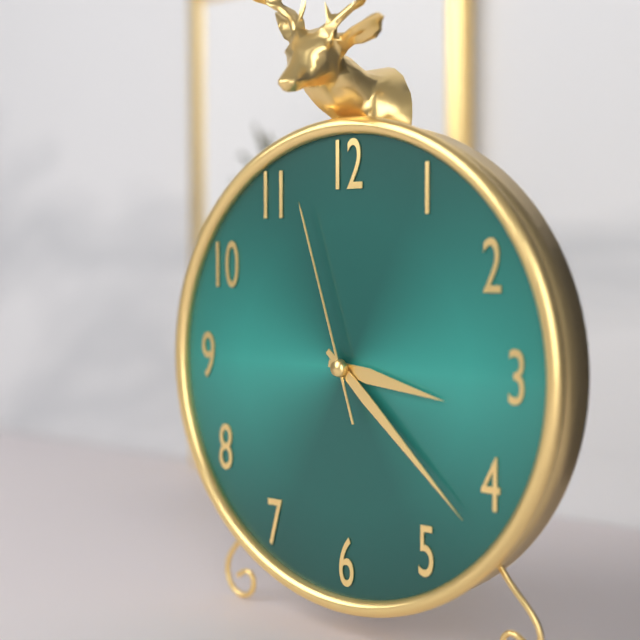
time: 3:22:57
